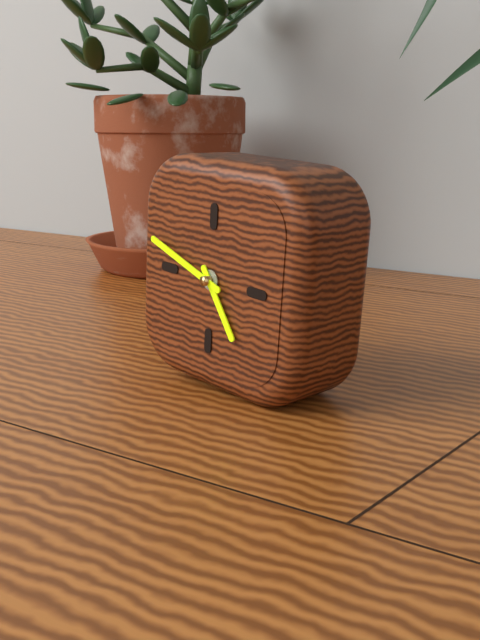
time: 4:48
